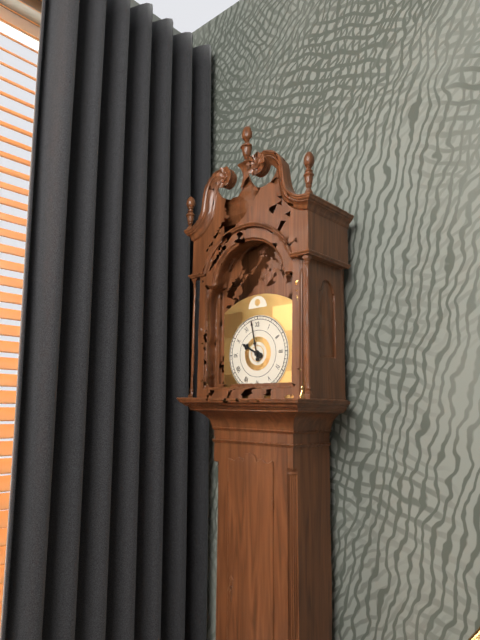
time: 9:58
